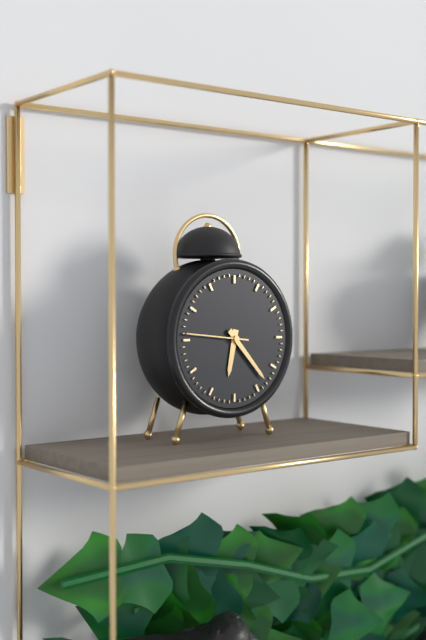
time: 6:23:46
